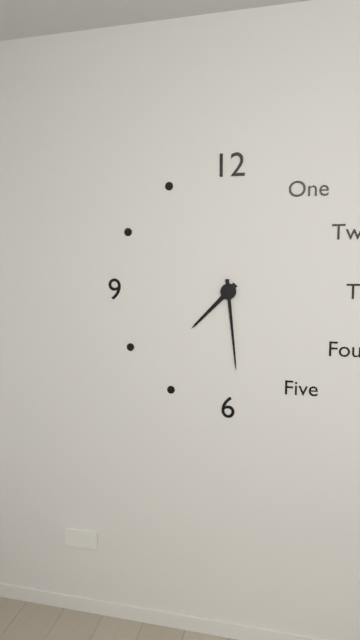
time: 7:29
